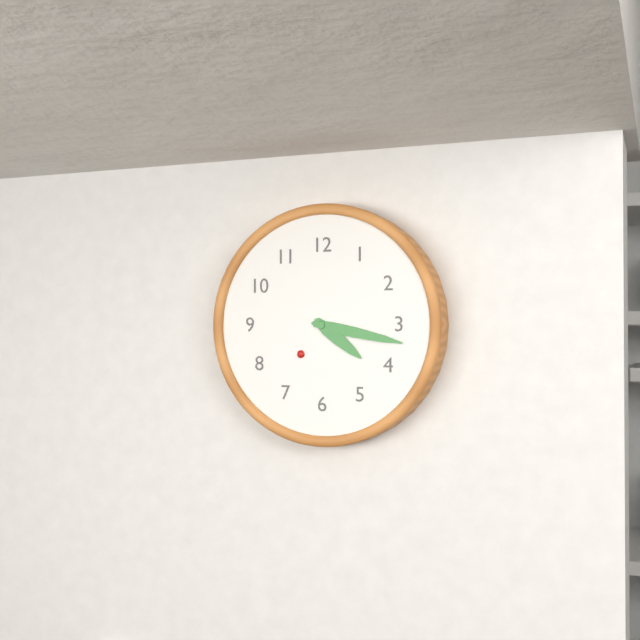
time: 4:17
